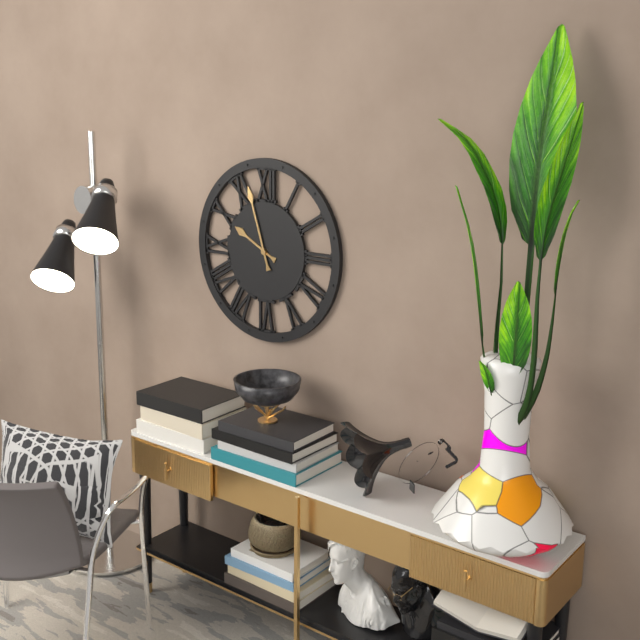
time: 9:57
